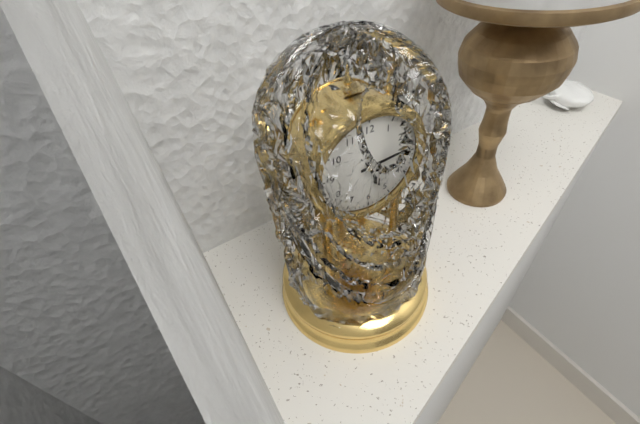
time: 5:14
